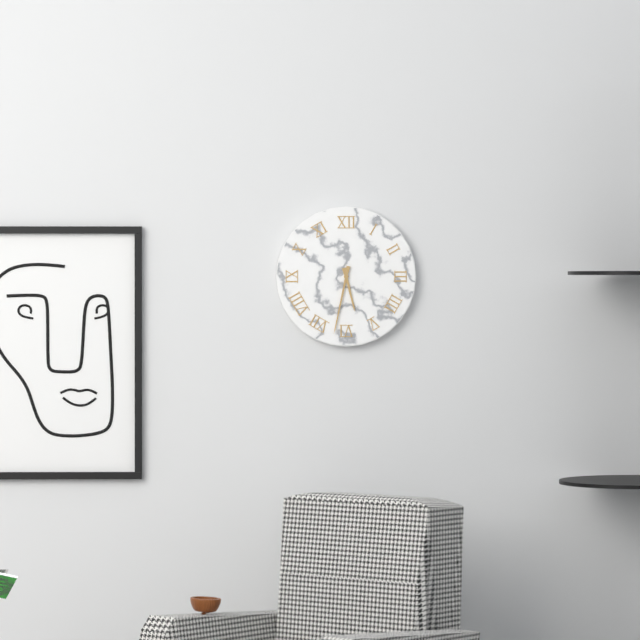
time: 5:32
